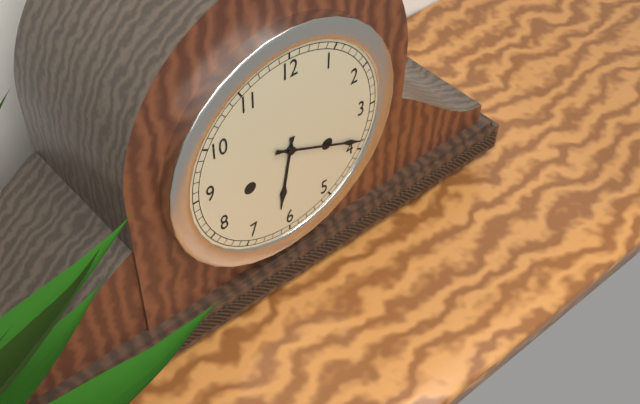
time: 6:19
